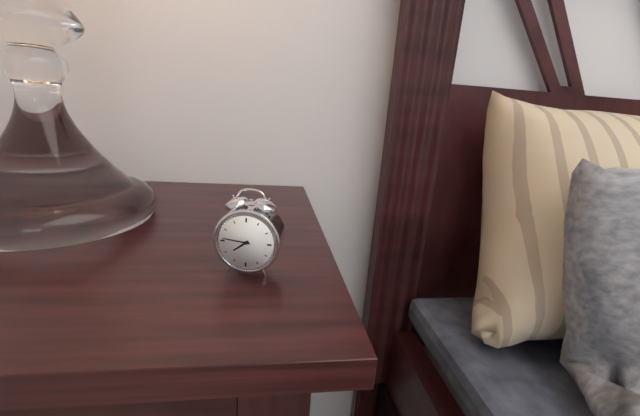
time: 7:46
